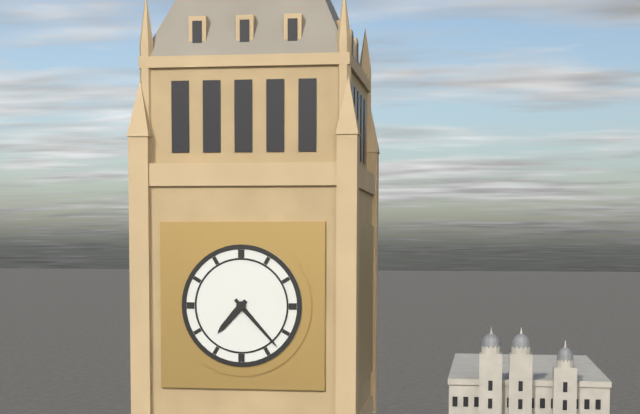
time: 7:23
